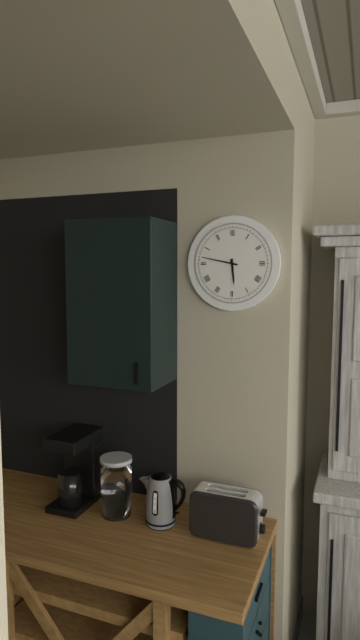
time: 5:47
